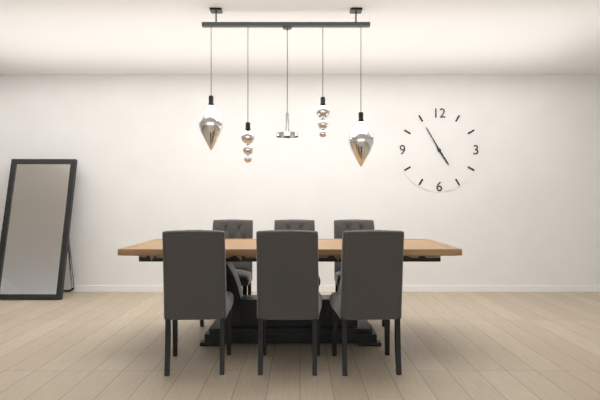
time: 4:55
